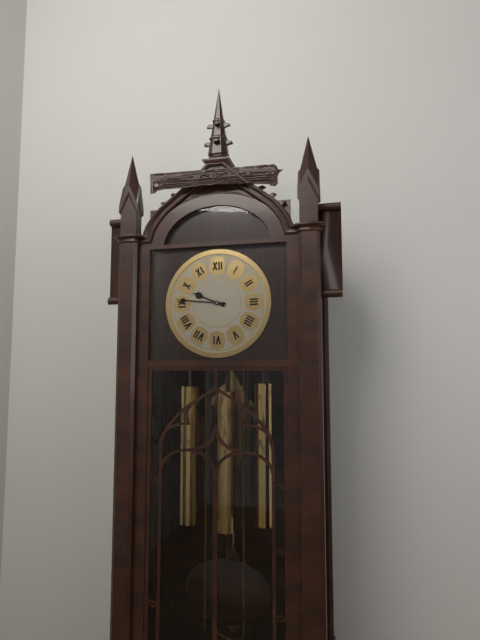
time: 9:46
